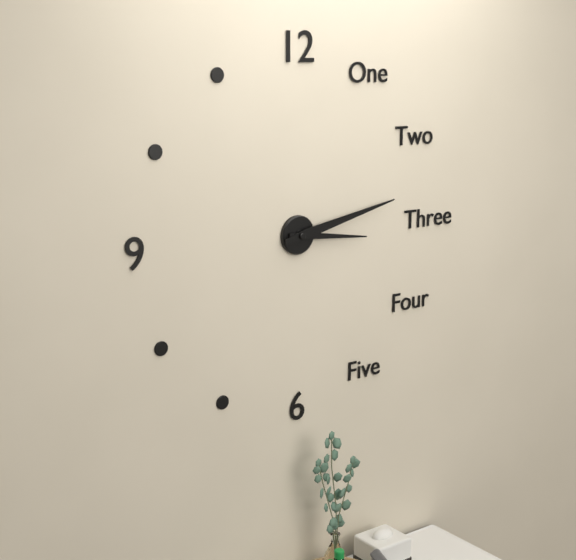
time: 3:13
